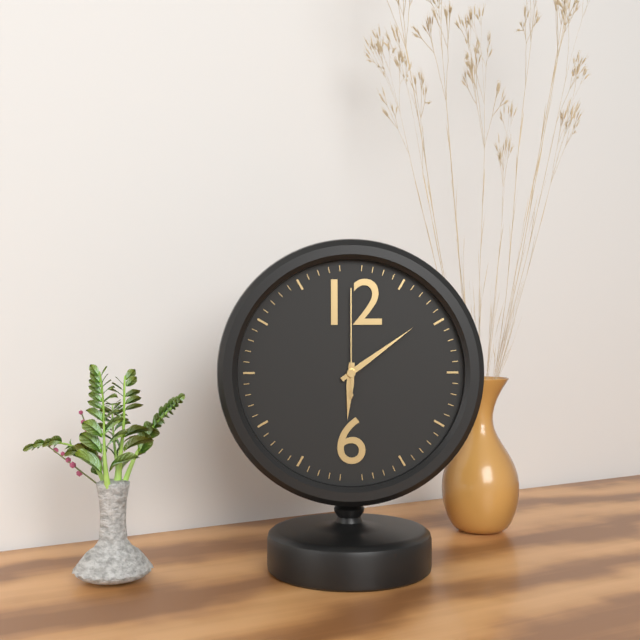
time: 6:09:00
